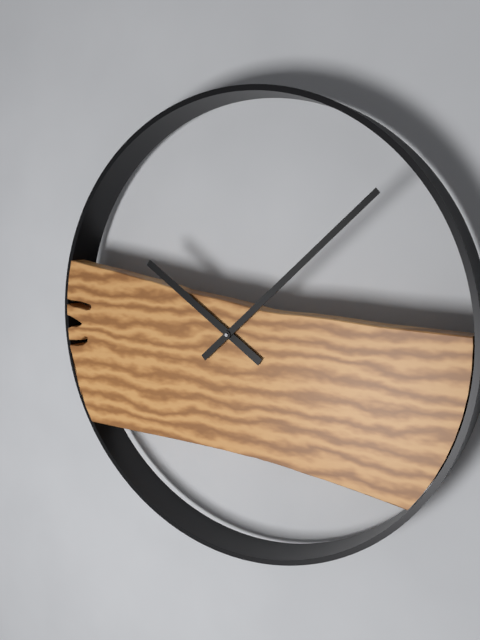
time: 10:08
